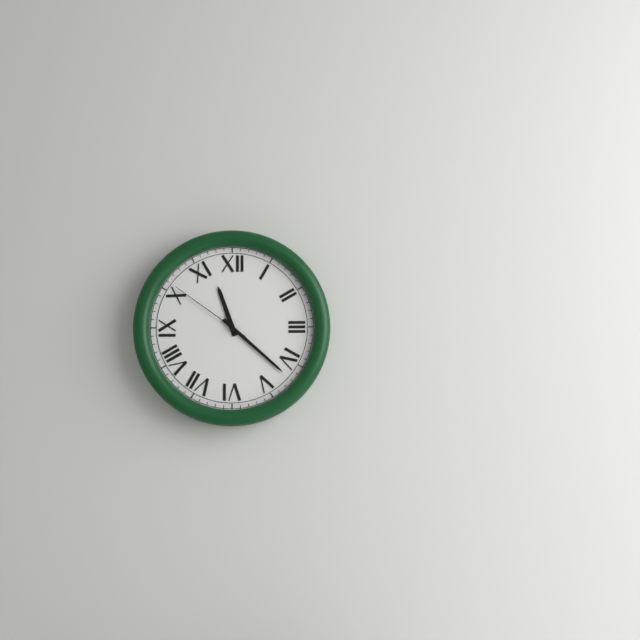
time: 11:22:51
